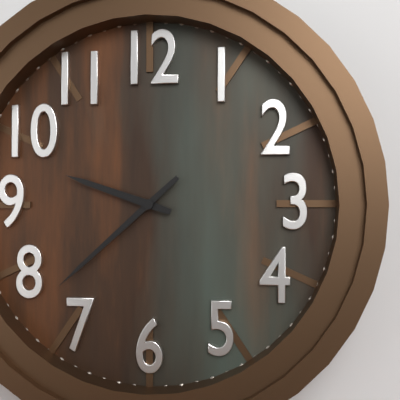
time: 9:38
